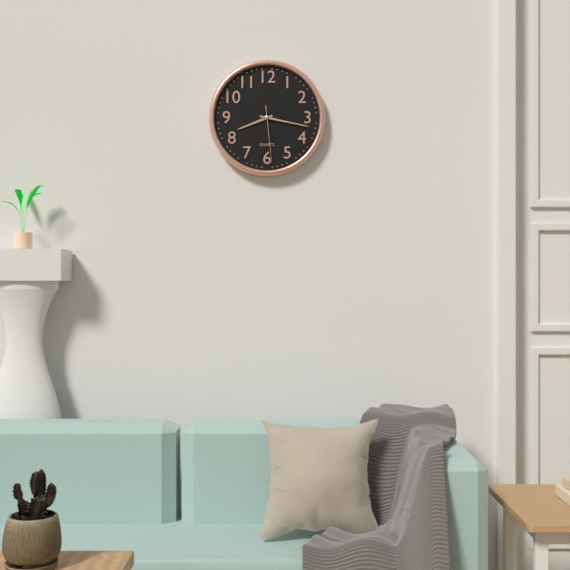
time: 8:17:29
